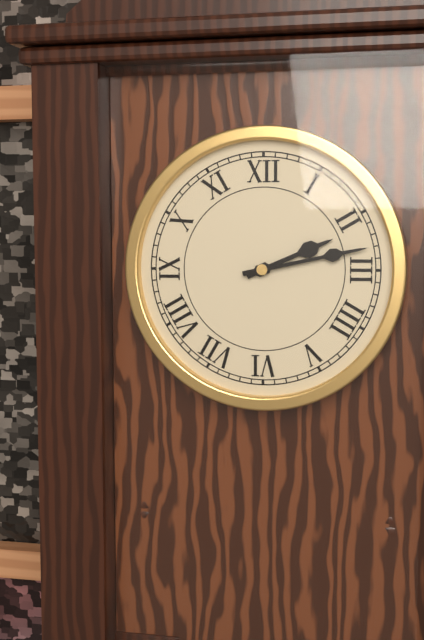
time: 2:13
